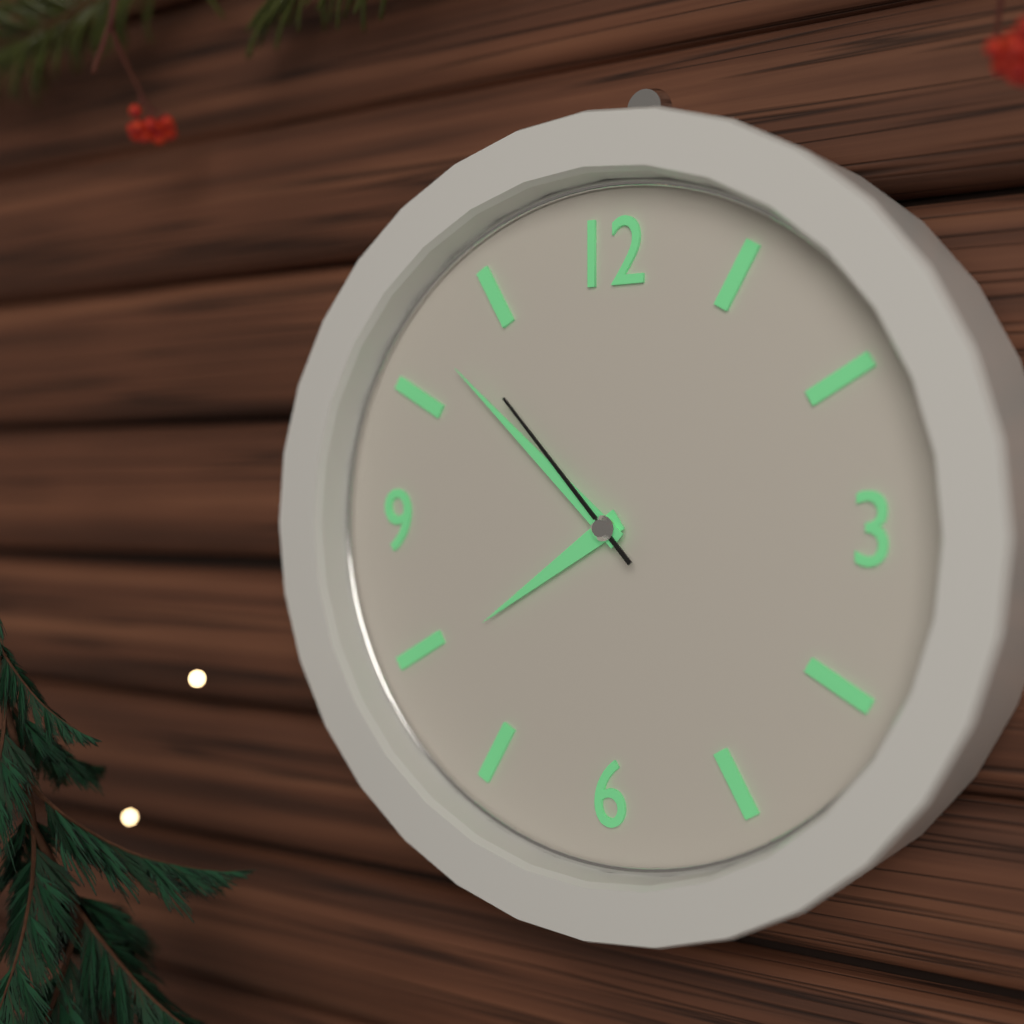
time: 7:52:53
